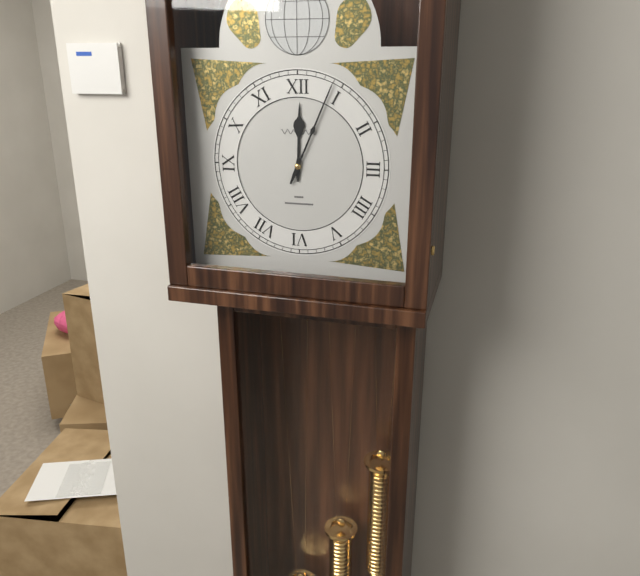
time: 12:04
